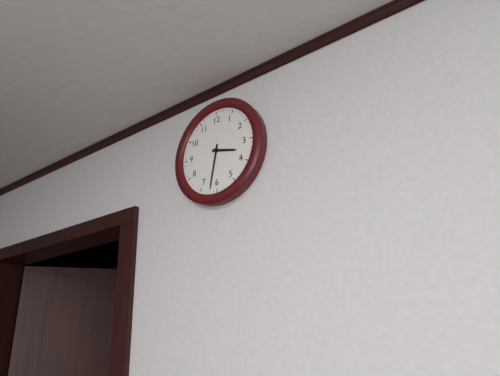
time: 3:32
